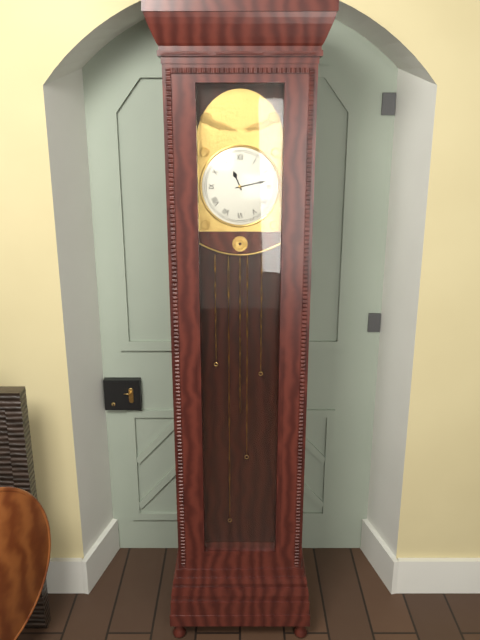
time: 11:13
